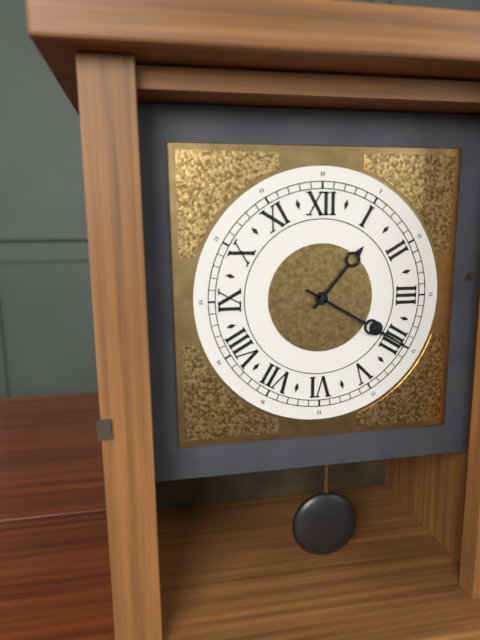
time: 1:20
